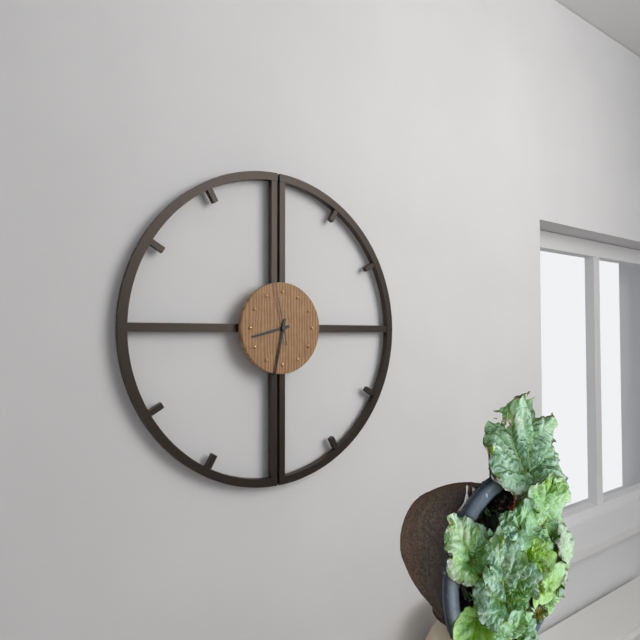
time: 8:32:58
